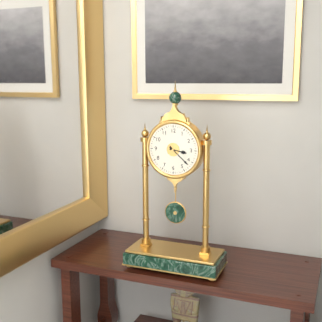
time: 3:22
